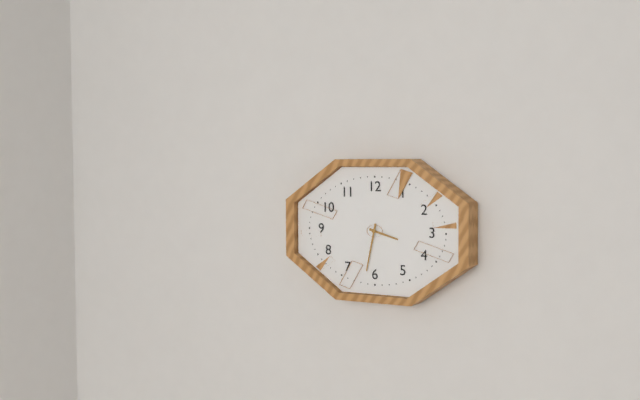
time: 3:32
